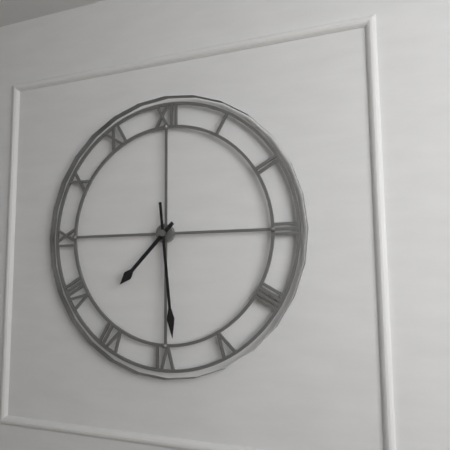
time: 7:29
